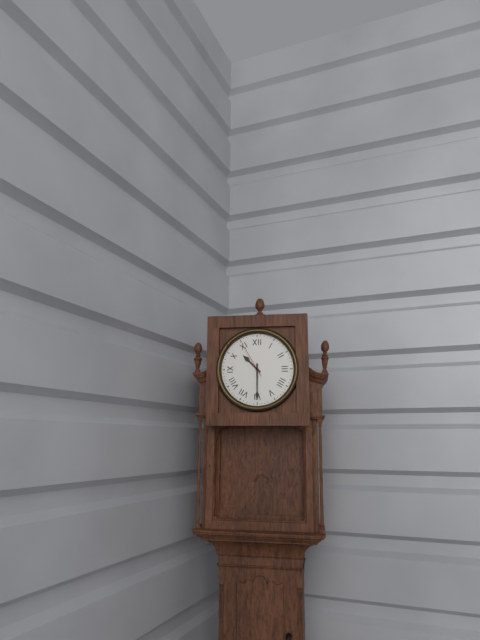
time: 10:30
